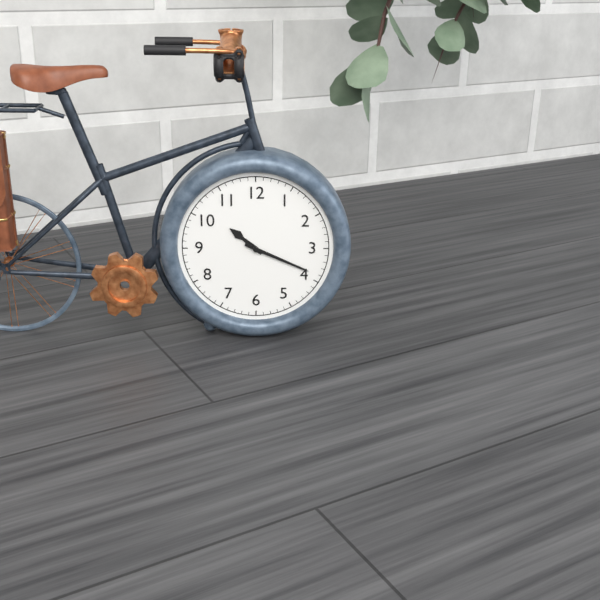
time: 10:19
